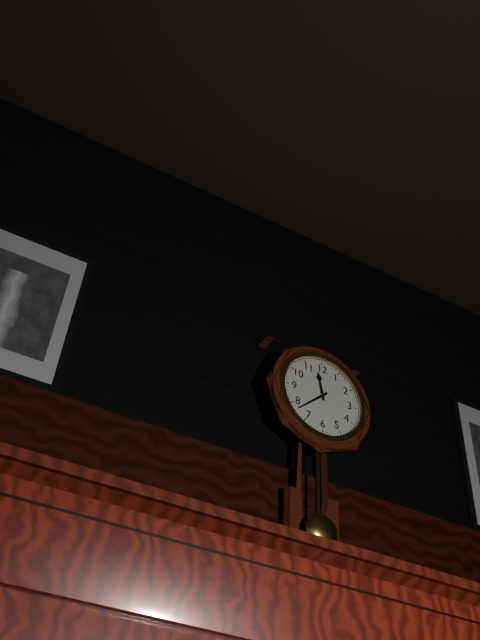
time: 11:38
